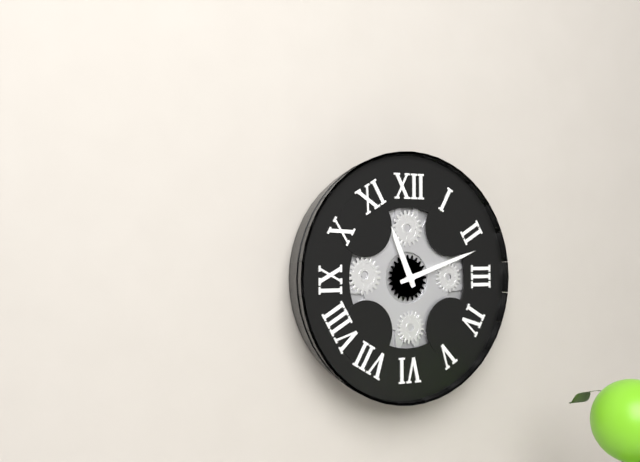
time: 11:12
